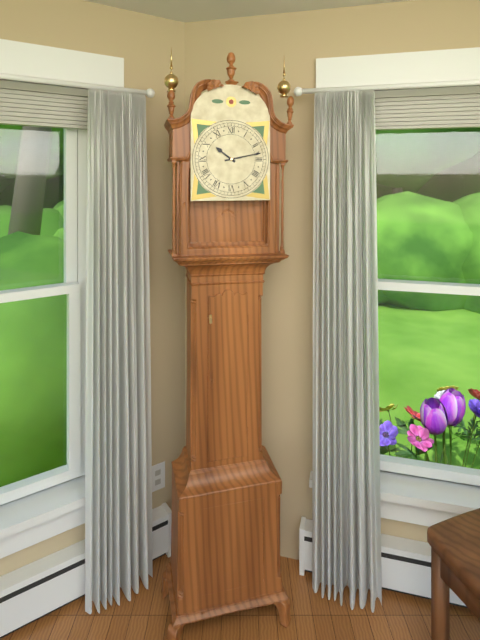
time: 10:13
